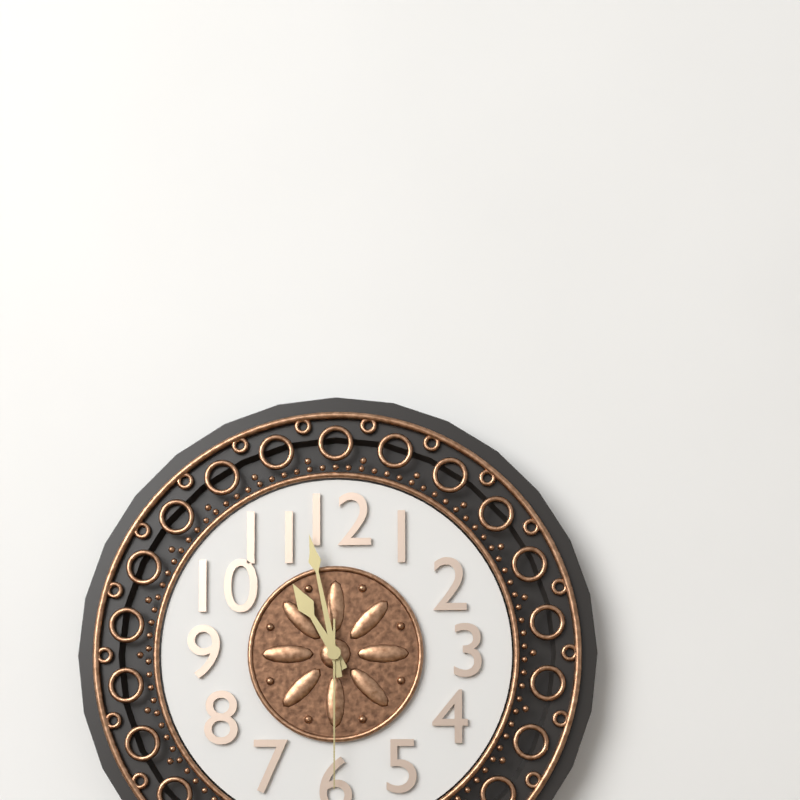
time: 10:58:30
